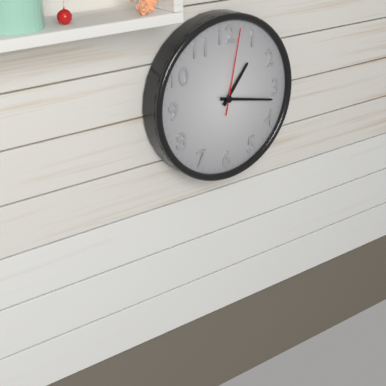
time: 1:17:02
